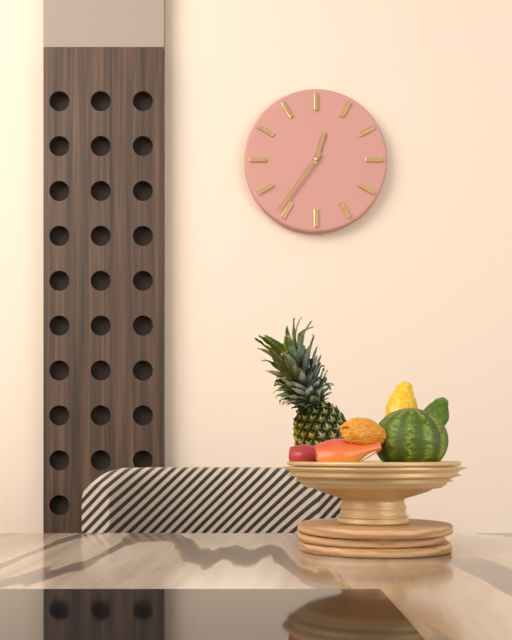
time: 12:36
